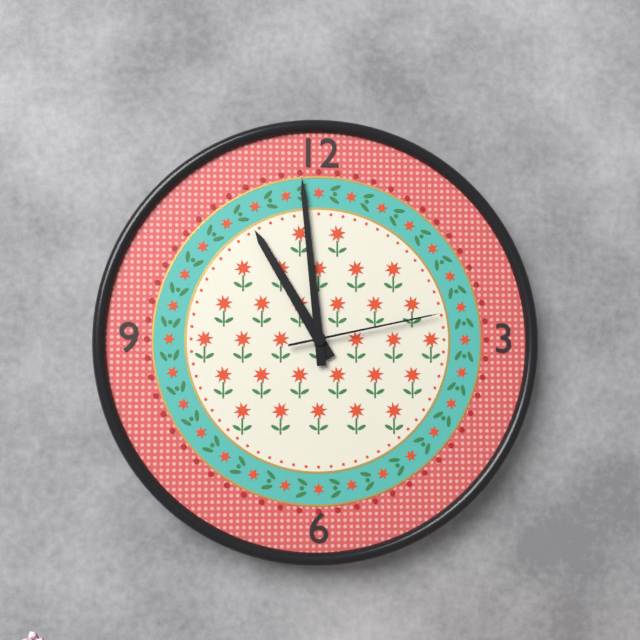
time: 10:59:13
